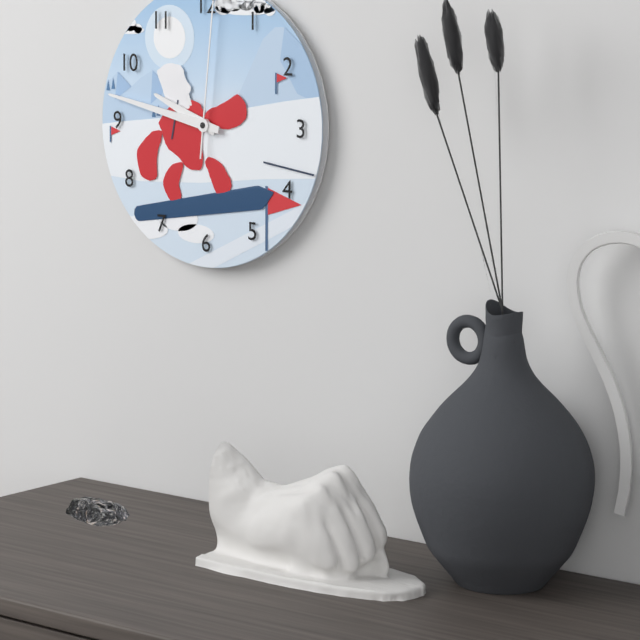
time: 9:47:01
